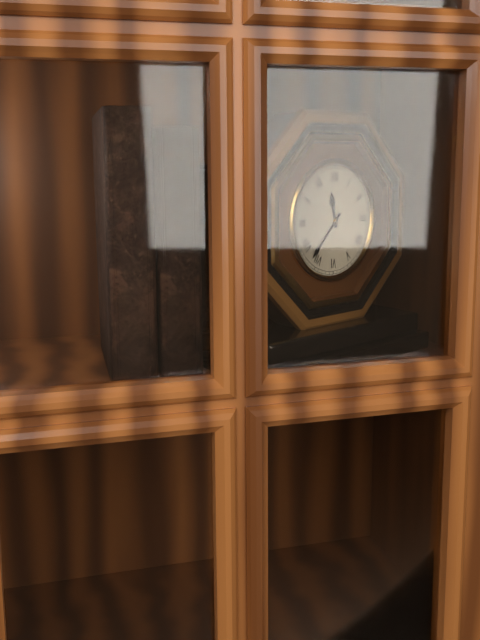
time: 11:37
